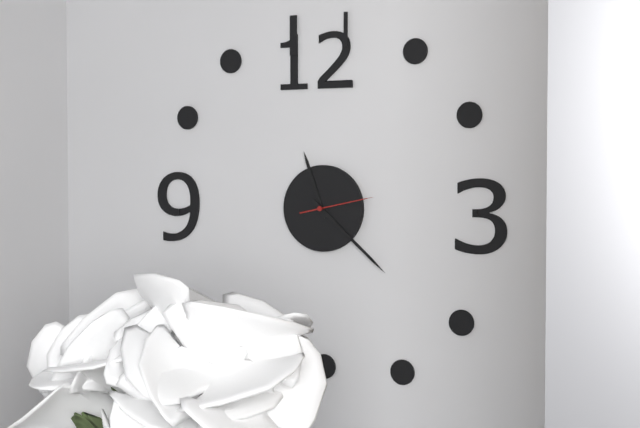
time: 11:22:13
